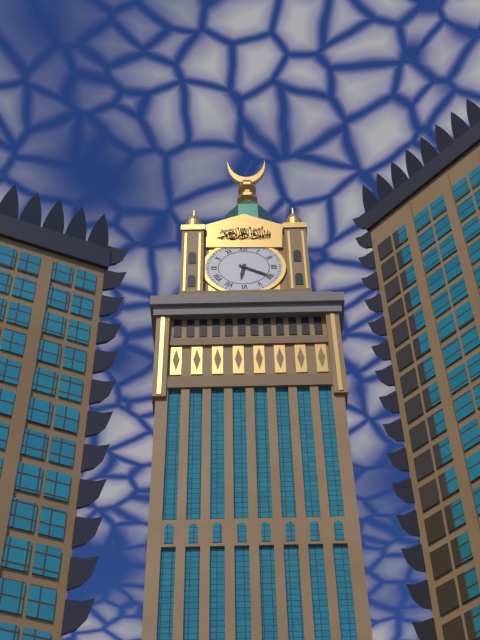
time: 6:20
